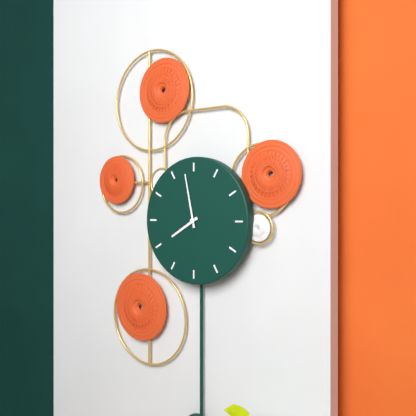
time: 7:58
